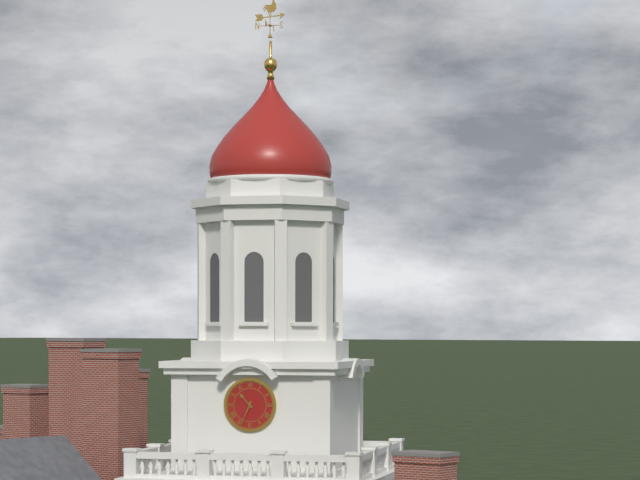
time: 10:34
